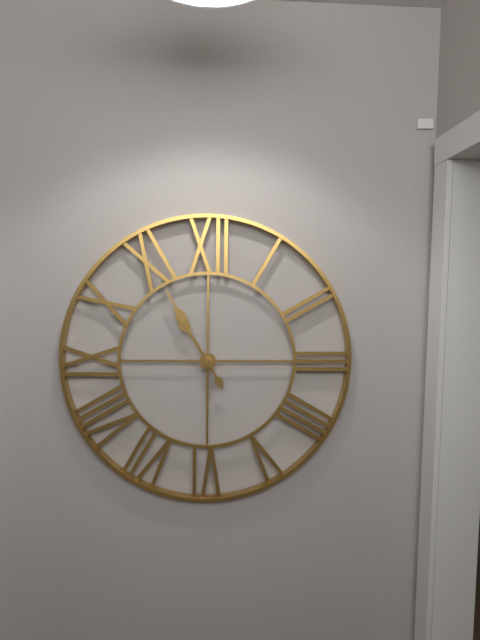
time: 10:55
